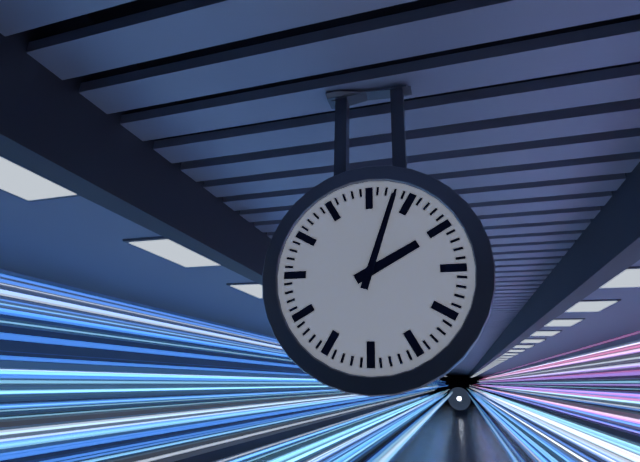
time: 2:03
